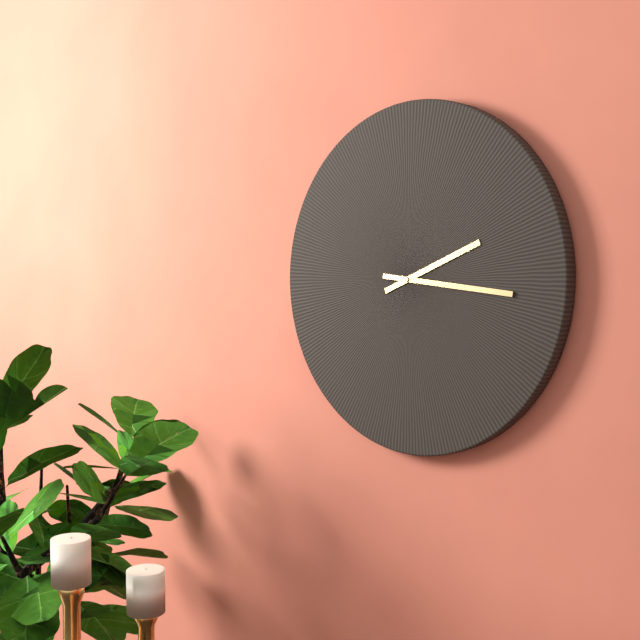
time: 2:16
